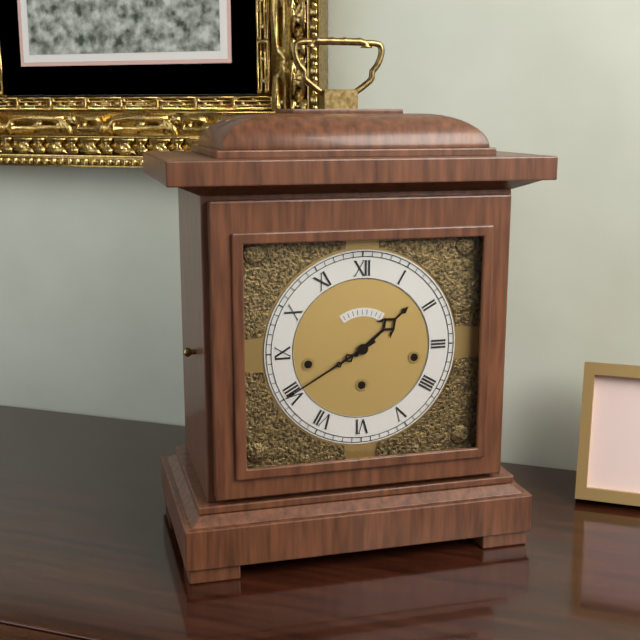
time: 1:40
